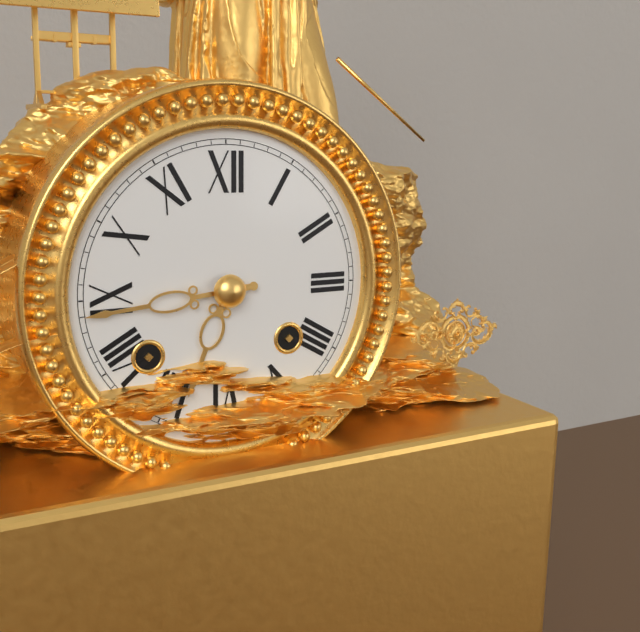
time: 6:44
